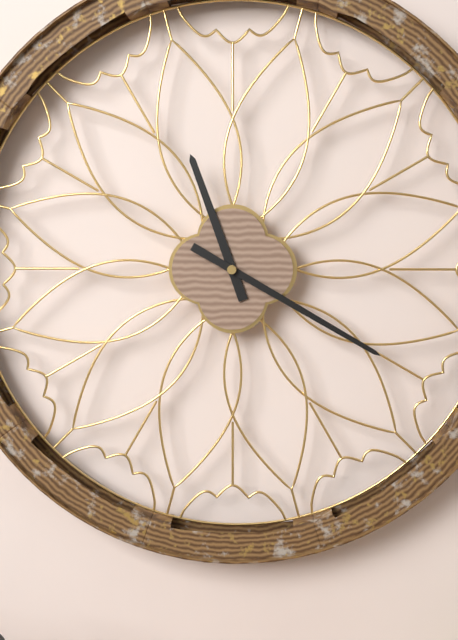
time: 11:20
